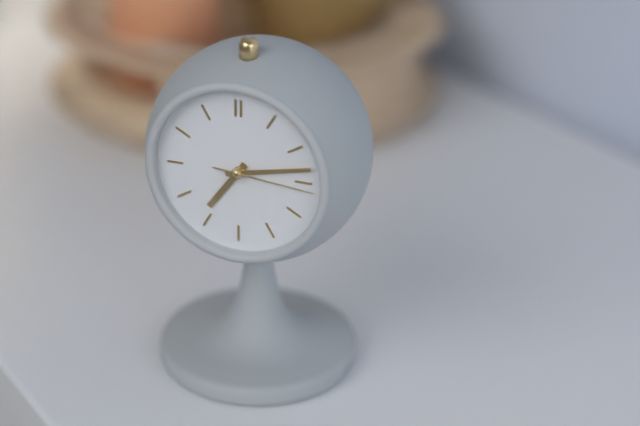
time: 7:13:16
